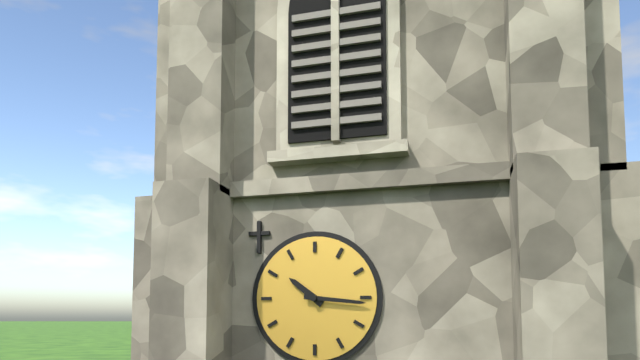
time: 10:16
